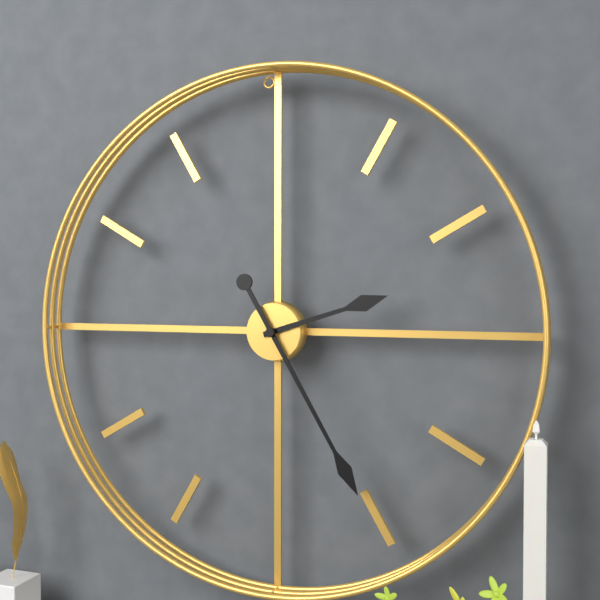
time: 2:25
